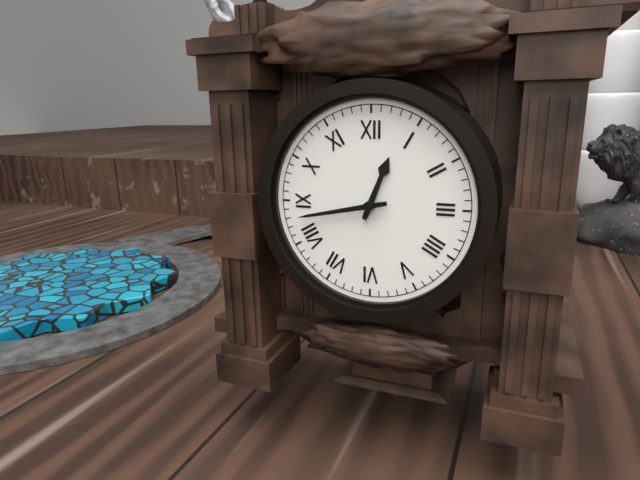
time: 12:43
